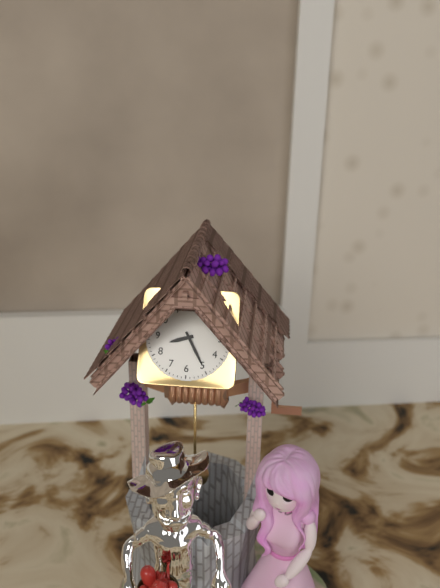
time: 8:25
